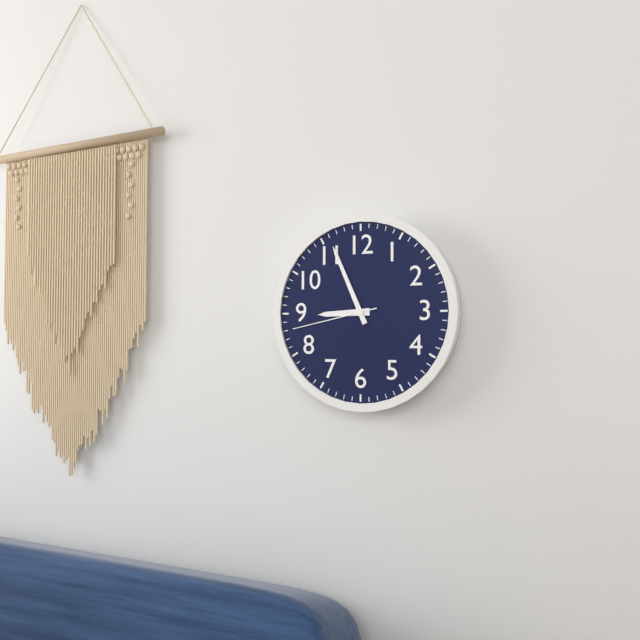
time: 8:56:43
